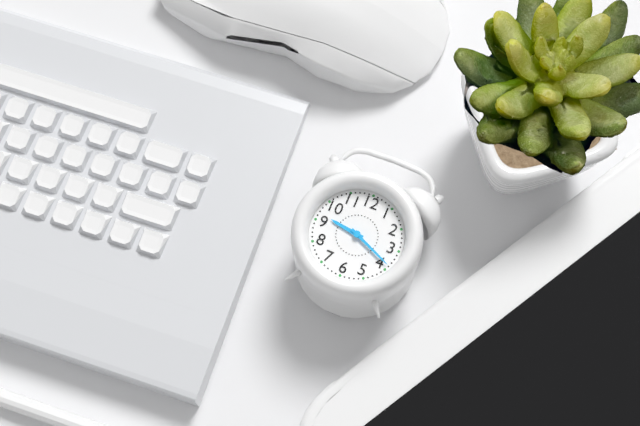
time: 9:19
